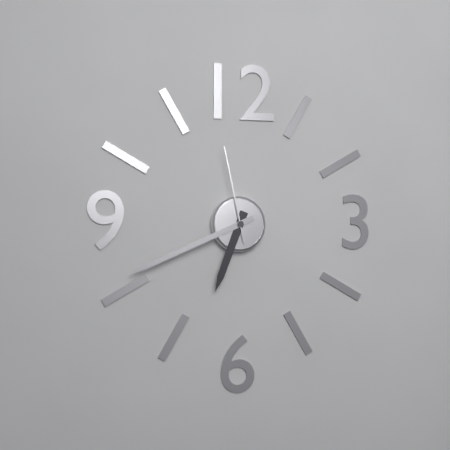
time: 6:41:58
